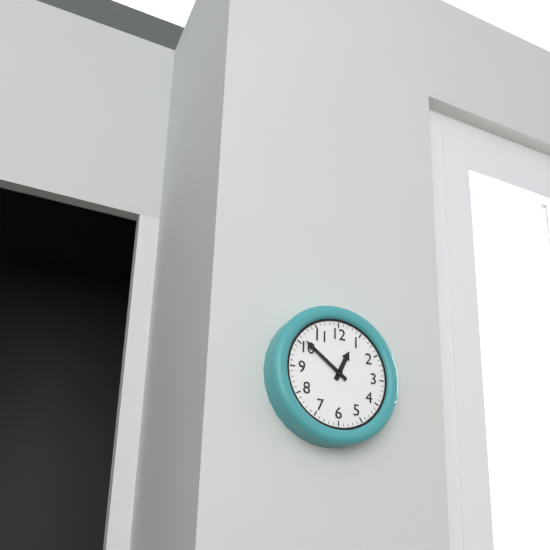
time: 12:51
